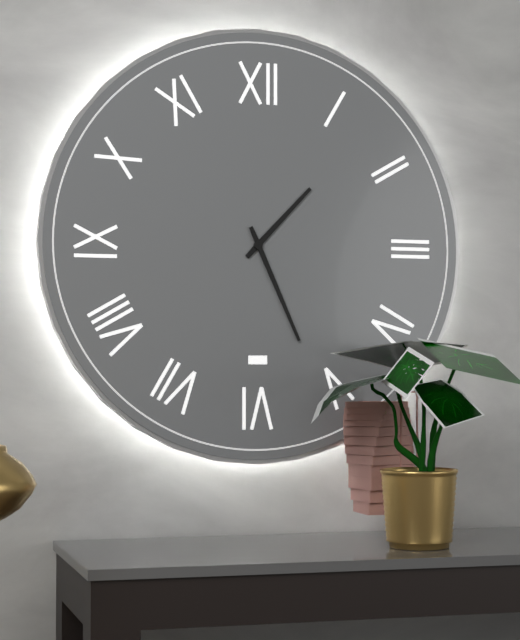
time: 1:26
